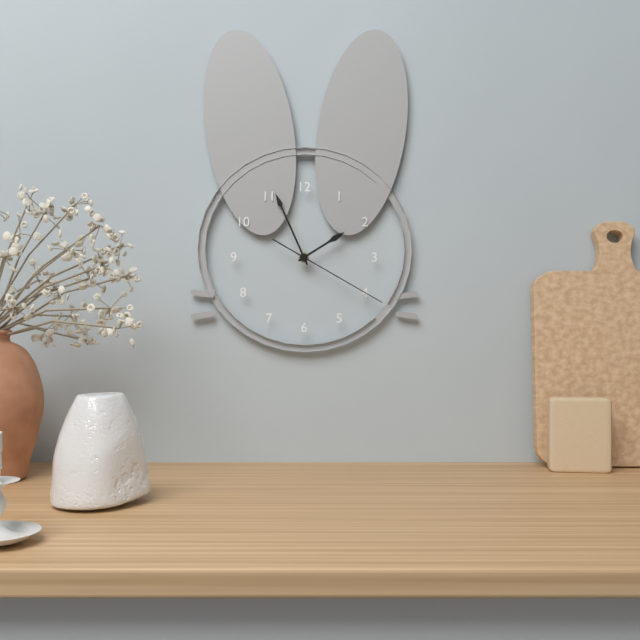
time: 1:56:20
